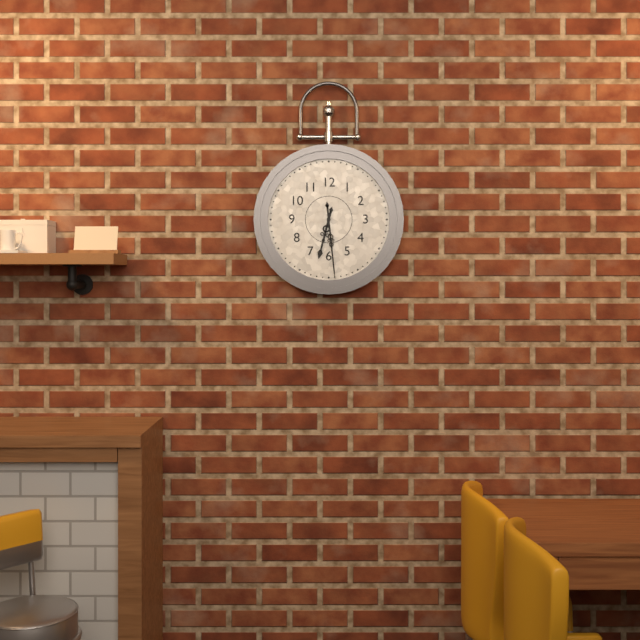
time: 6:29
